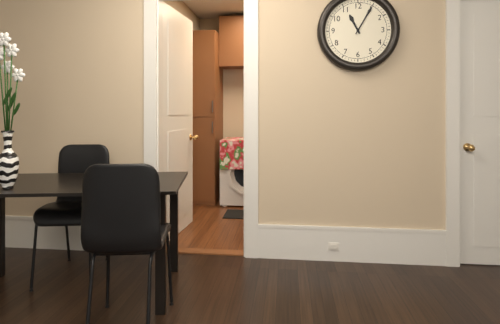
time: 11:05
